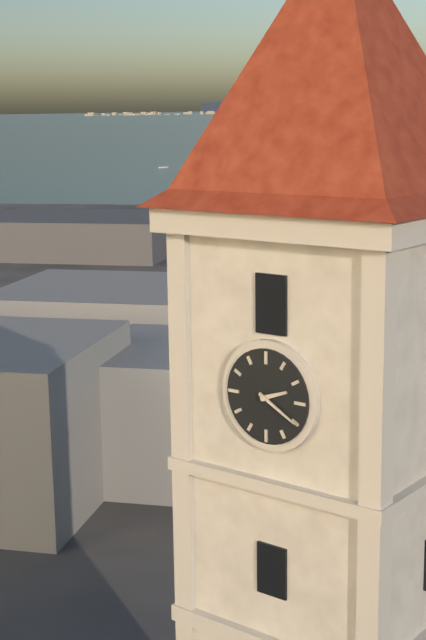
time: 2:20
